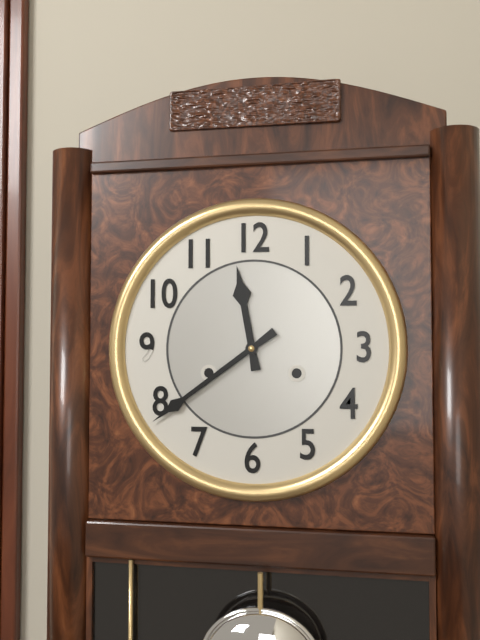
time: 11:39
